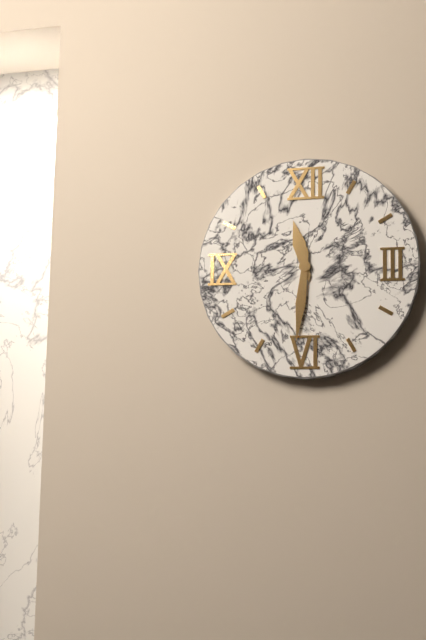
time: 11:31
